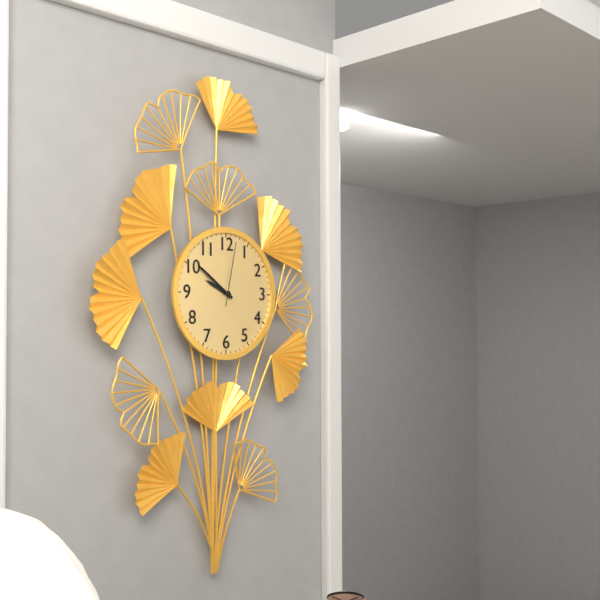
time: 9:51:02
